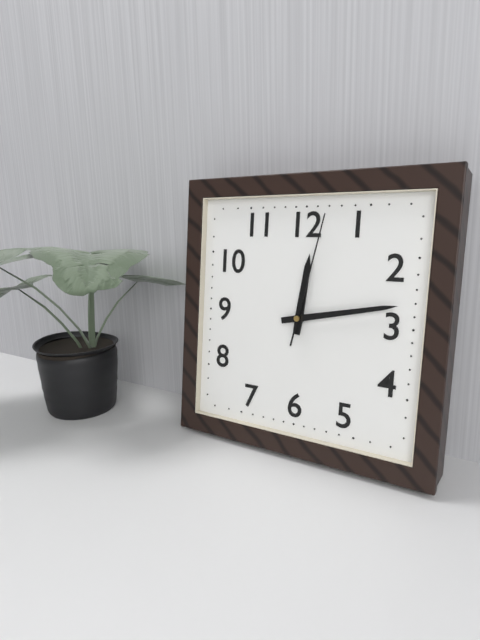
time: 12:13:02
